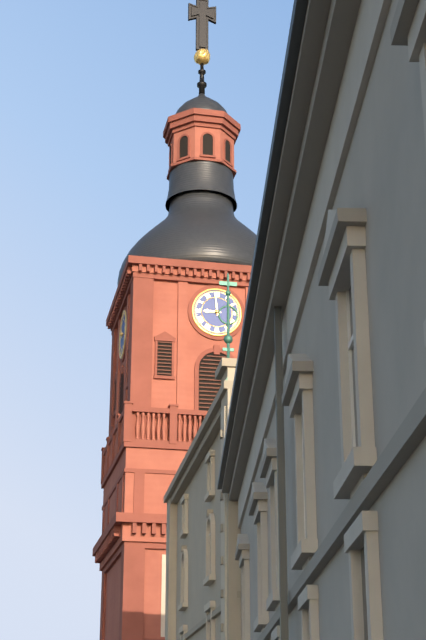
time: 8:59
